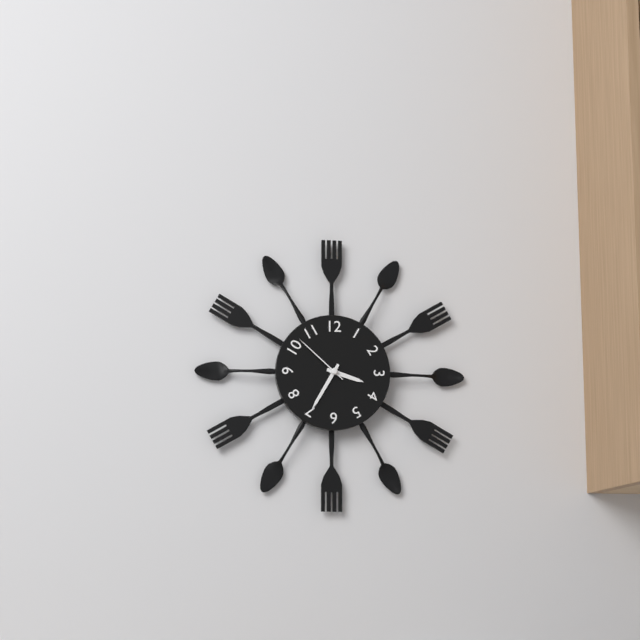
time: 3:35:52
